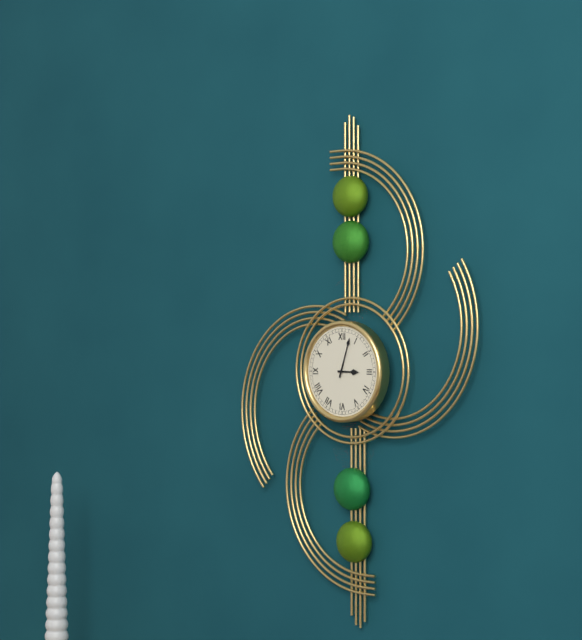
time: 3:03
